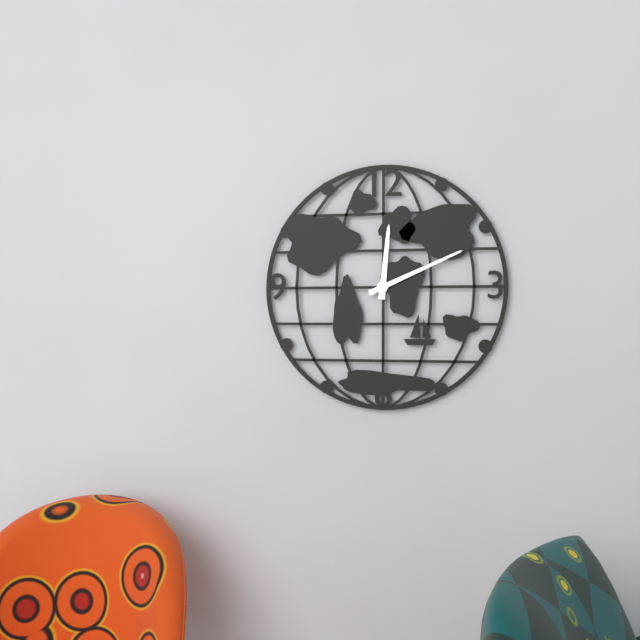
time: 12:11
